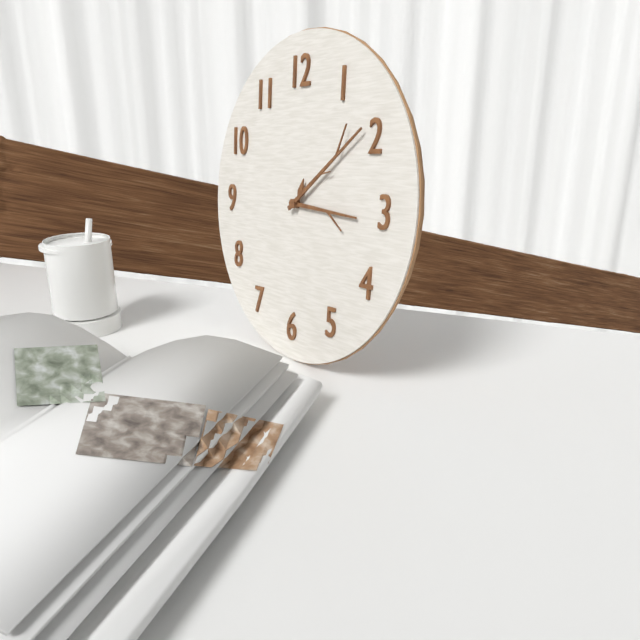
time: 3:09
